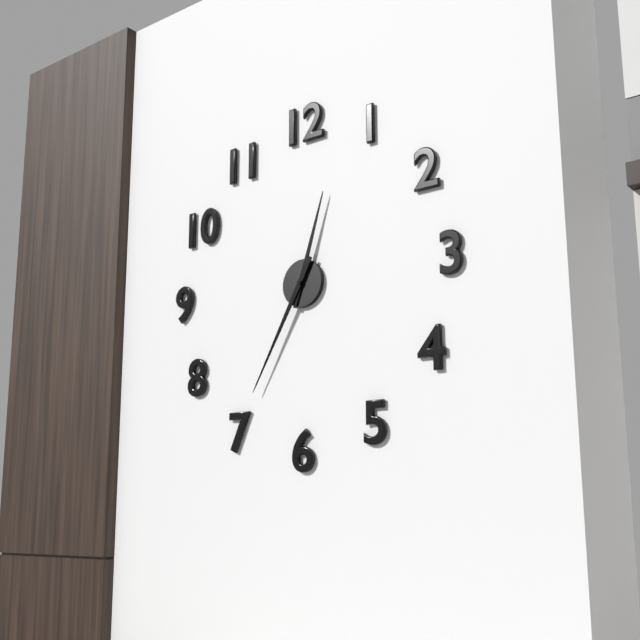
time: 12:35
